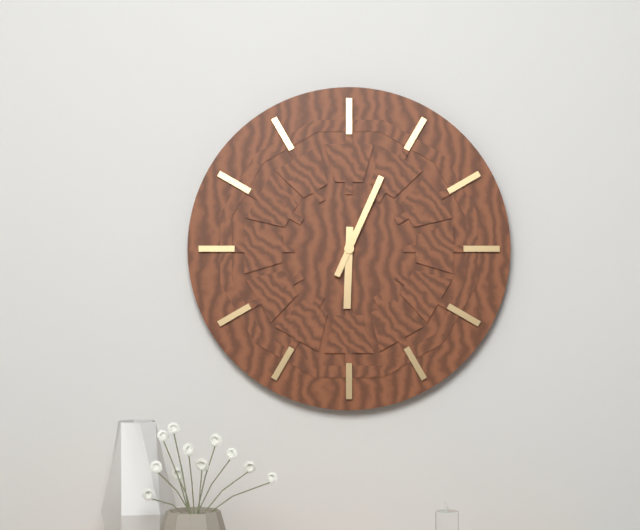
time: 6:04
